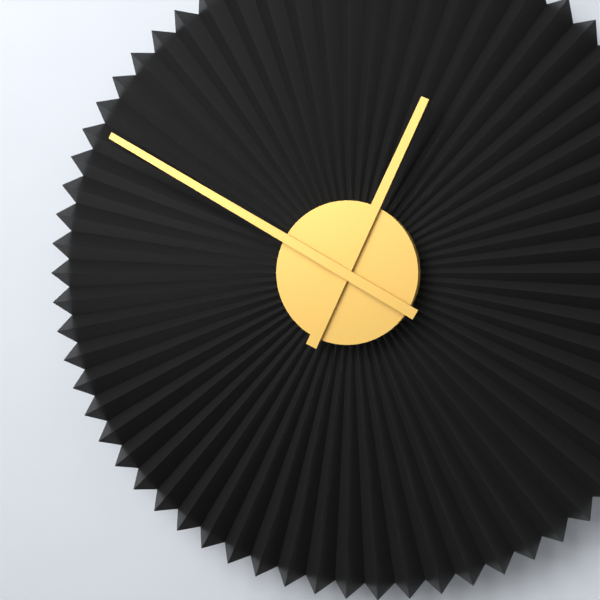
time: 12:50
